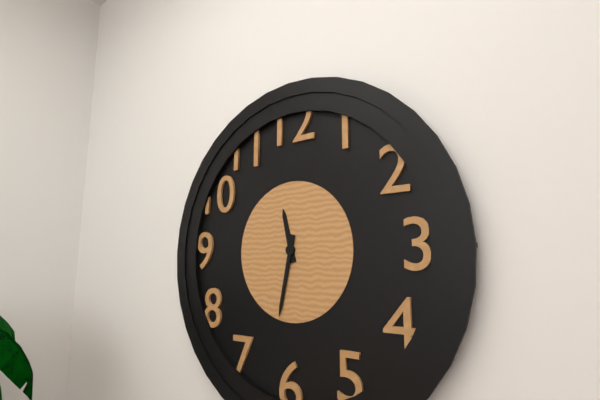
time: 11:32
